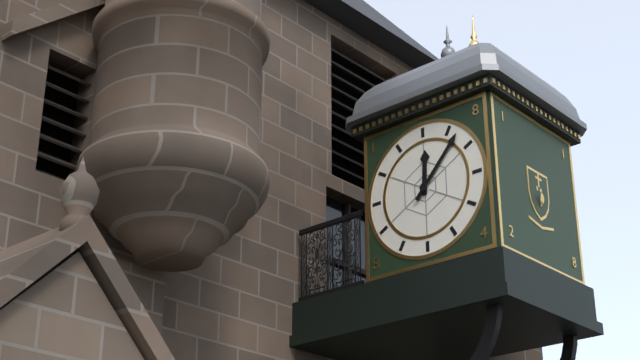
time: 12:07
